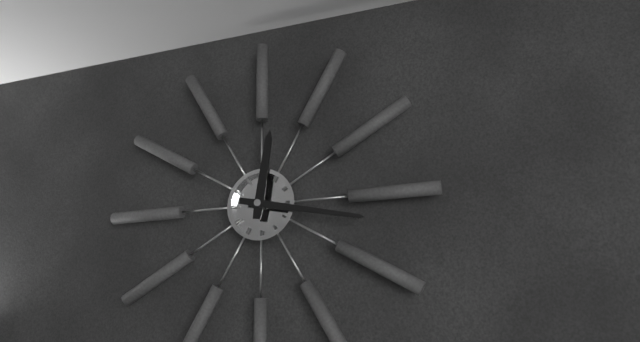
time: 12:17
